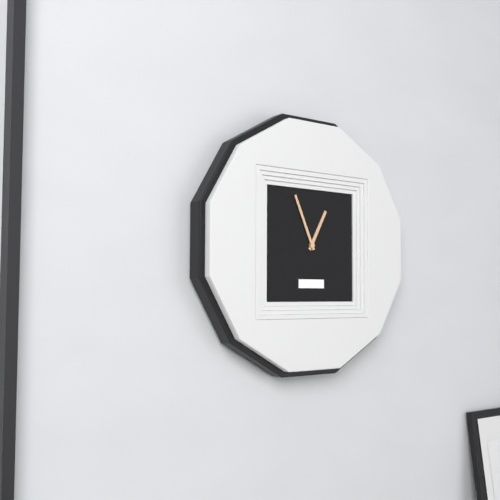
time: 12:56
